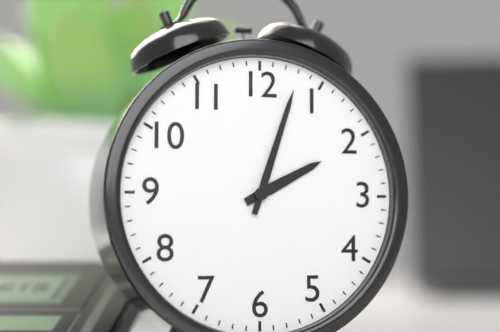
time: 2:03
